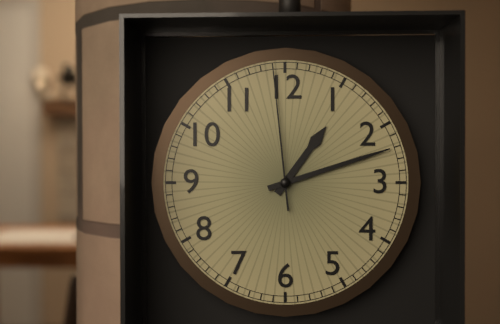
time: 1:12:59
